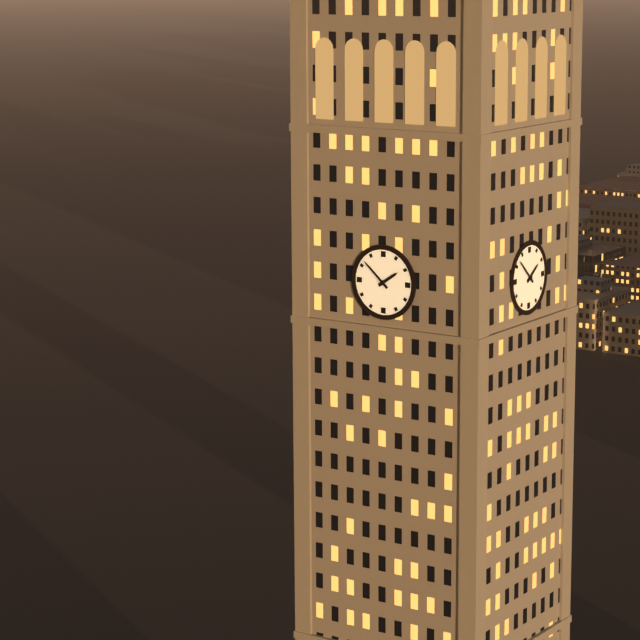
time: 1:52
